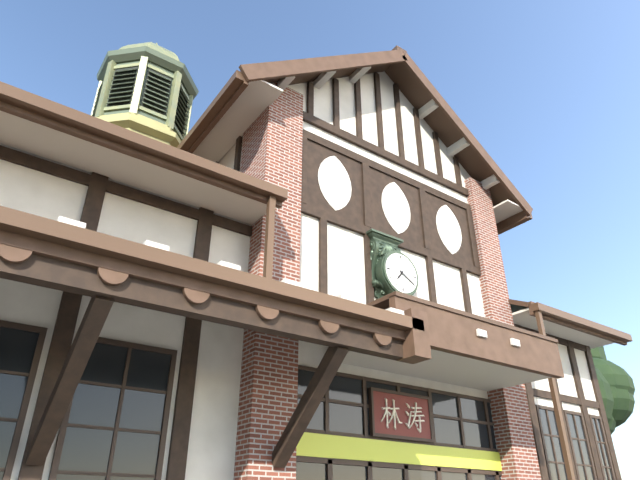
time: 7:20
